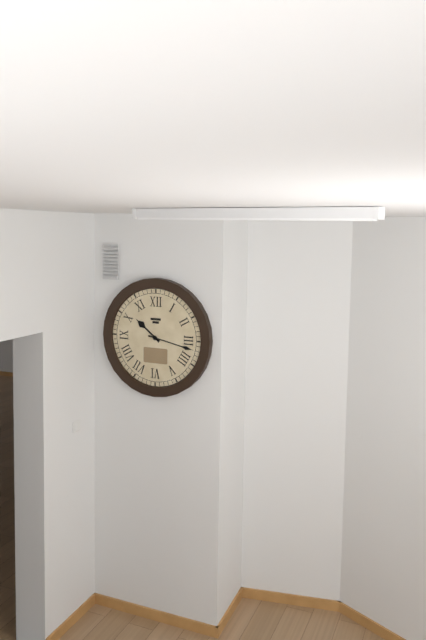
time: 10:17
